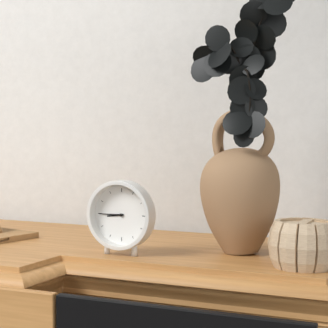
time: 8:45
